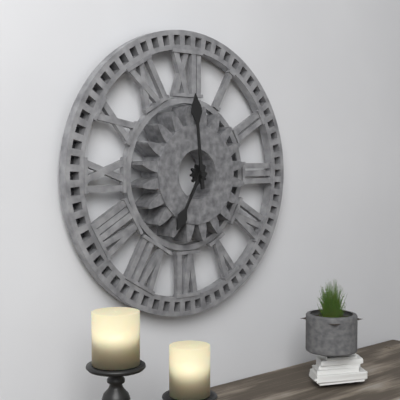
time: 6:59
